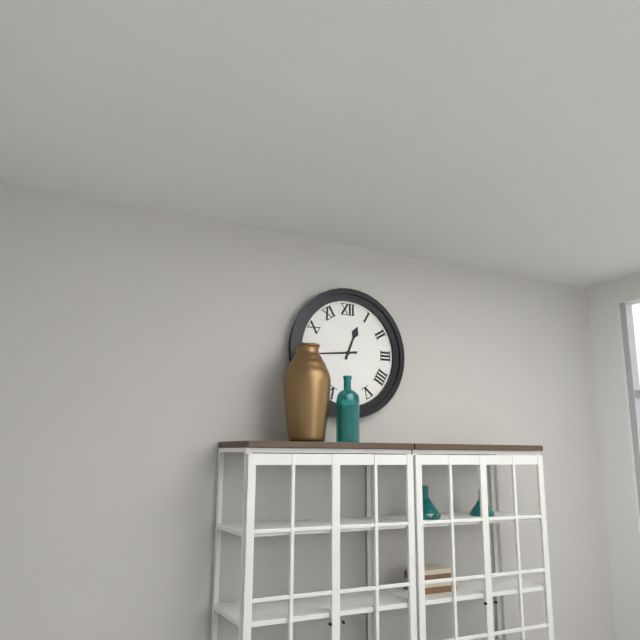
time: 12:44
